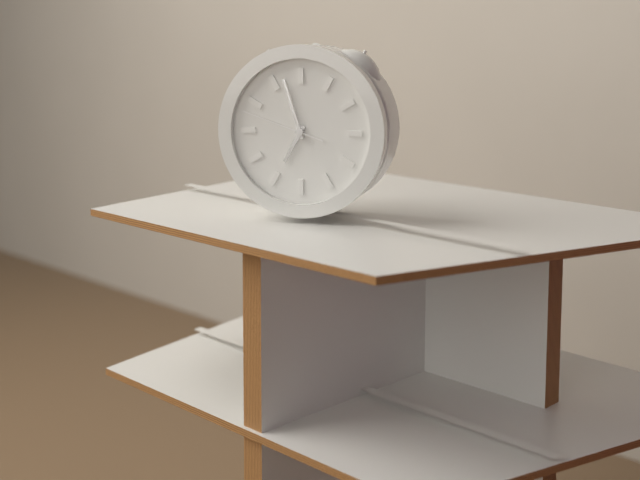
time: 6:57:48
